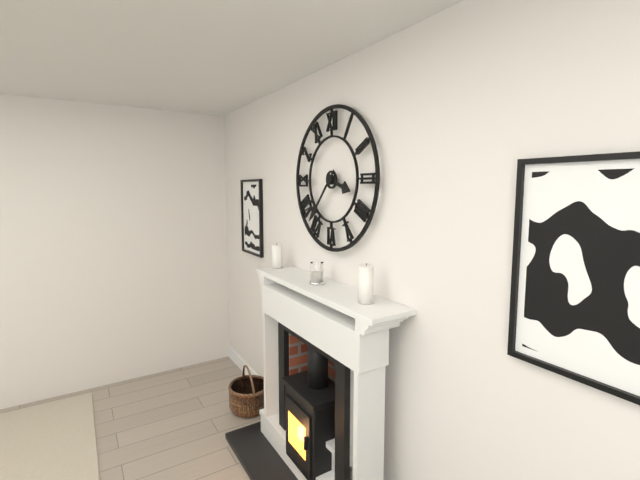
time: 3:37
